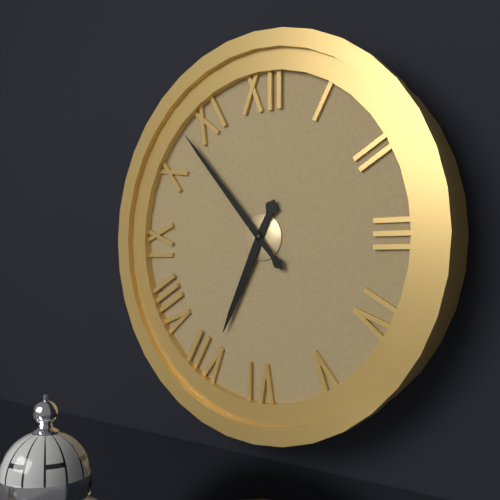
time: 6:53
